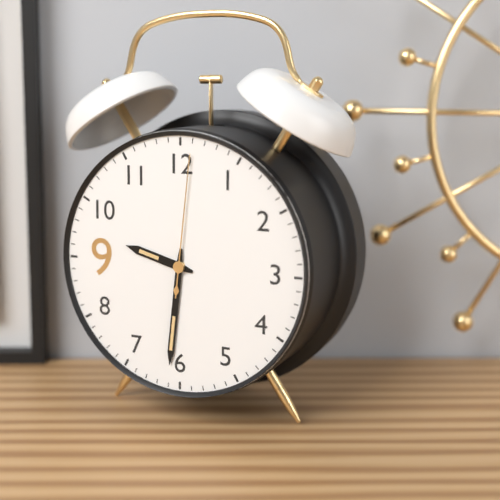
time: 9:31:01
